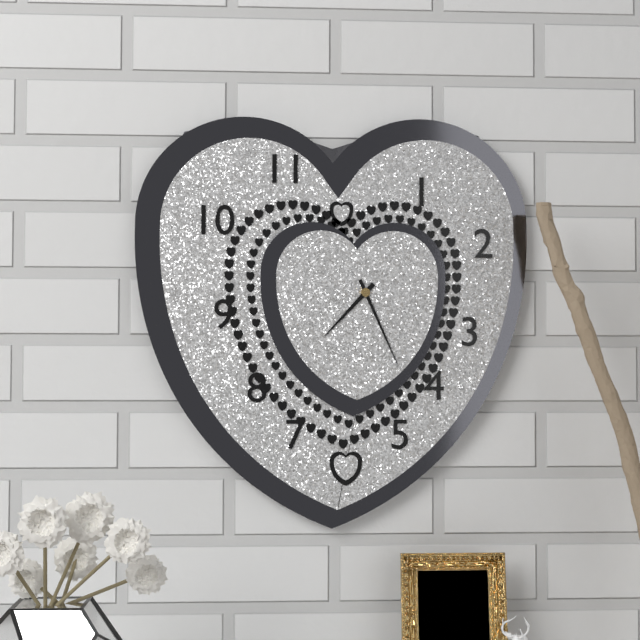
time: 7:26
